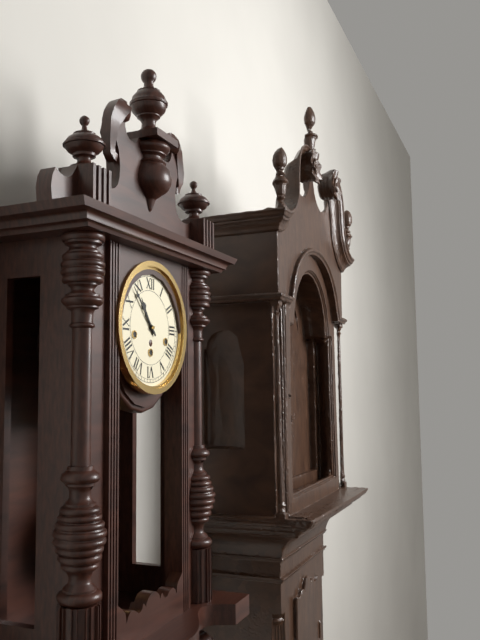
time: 10:53
